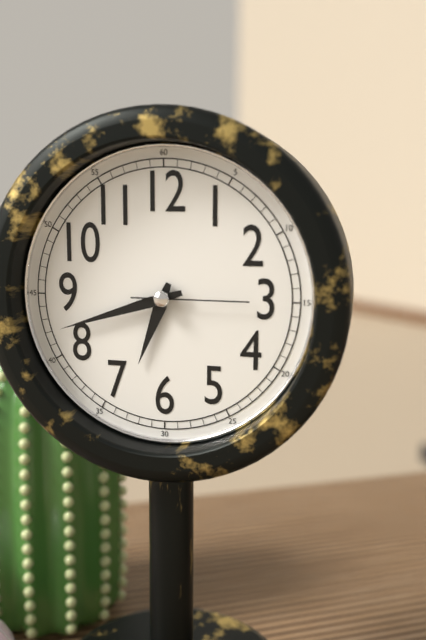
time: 6:42:15
